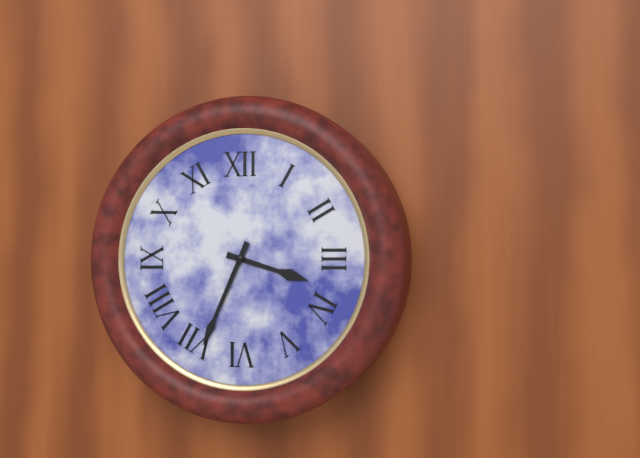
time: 3:34
